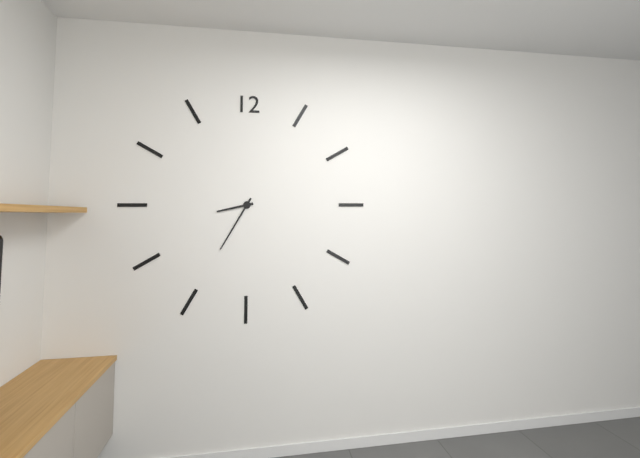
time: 8:35
